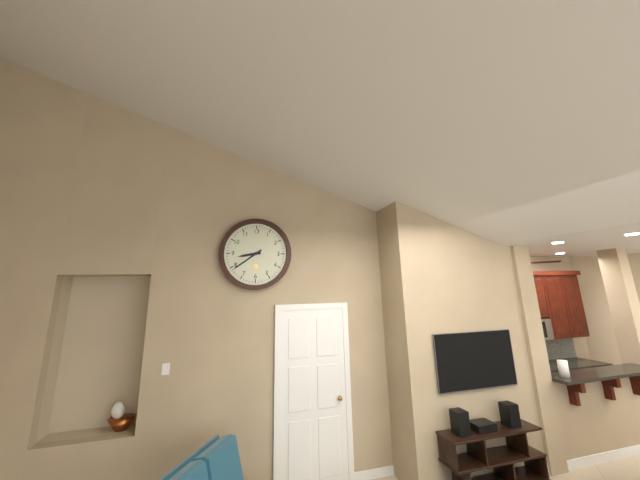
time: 8:39
